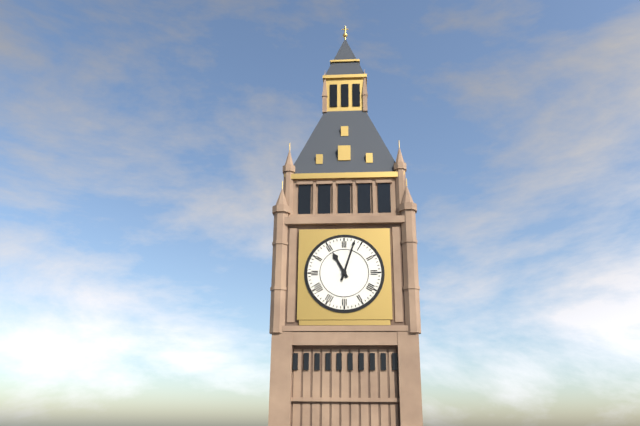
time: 11:03
